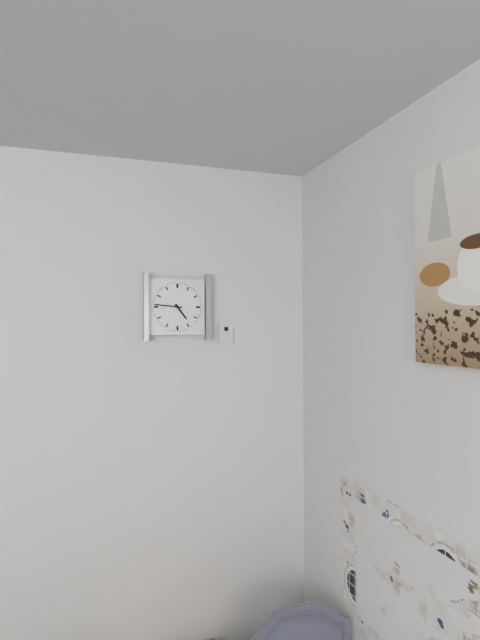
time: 4:46
